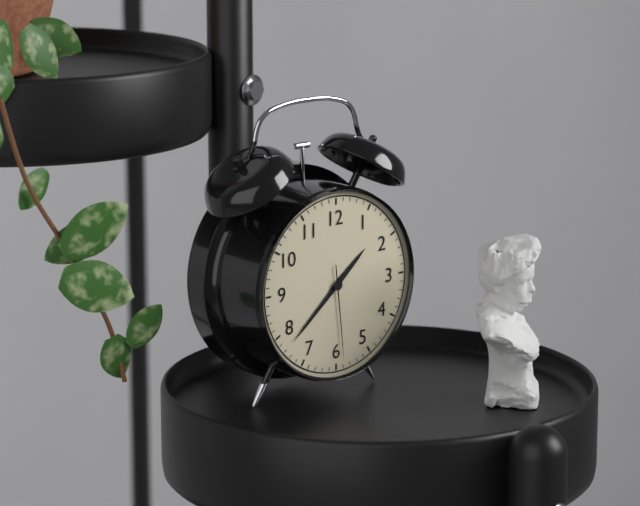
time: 1:38:29
